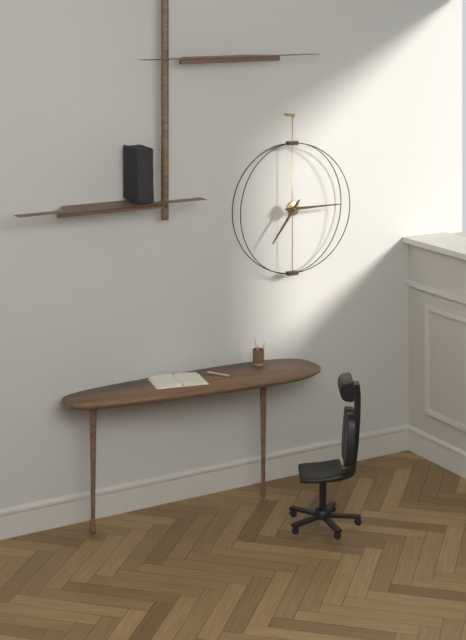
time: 7:15
